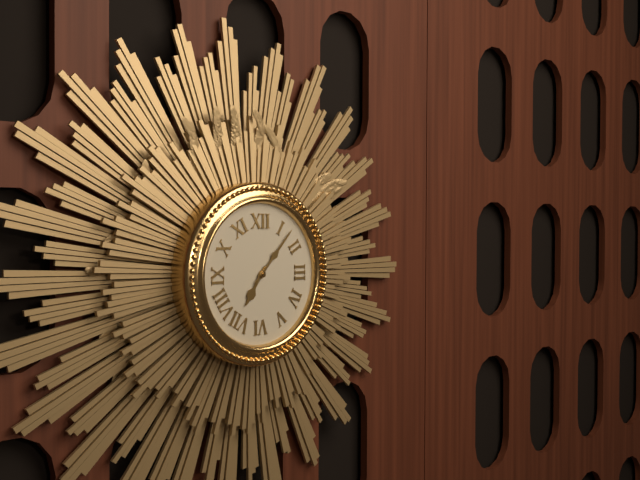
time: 7:07
